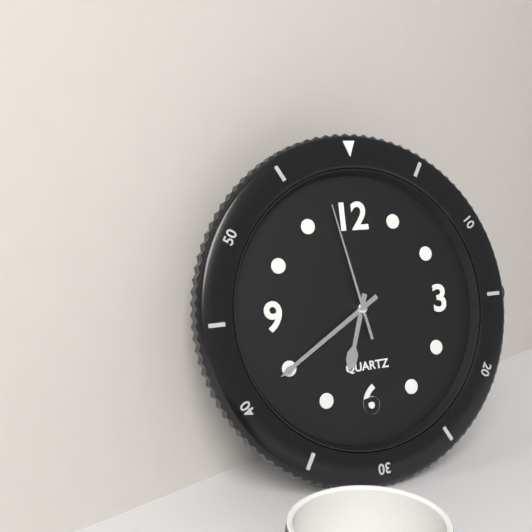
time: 6:40:58
